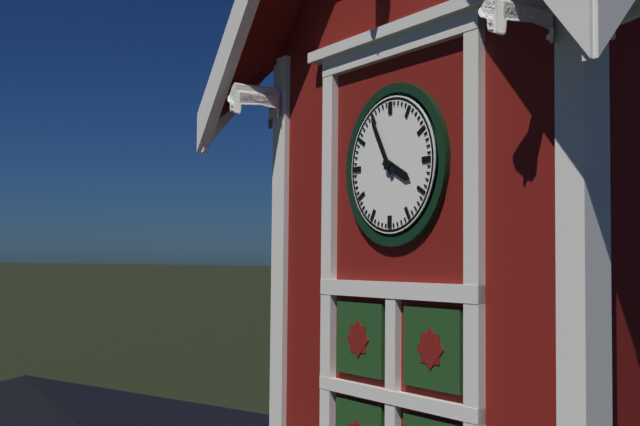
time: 3:55
